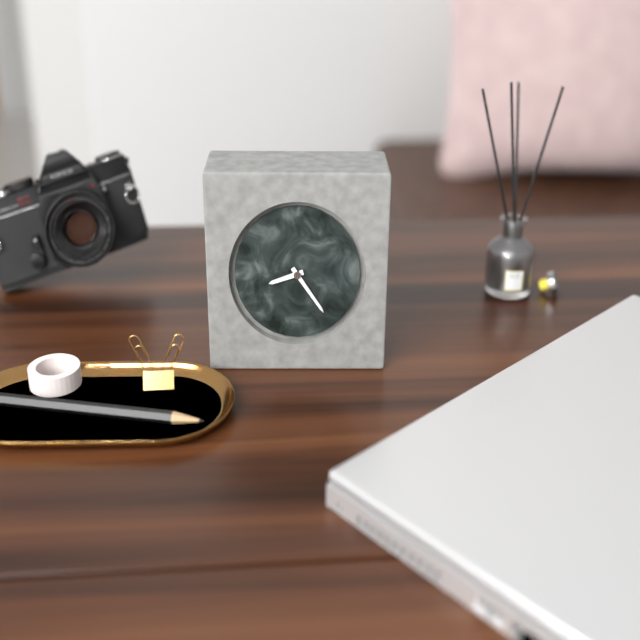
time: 8:24
